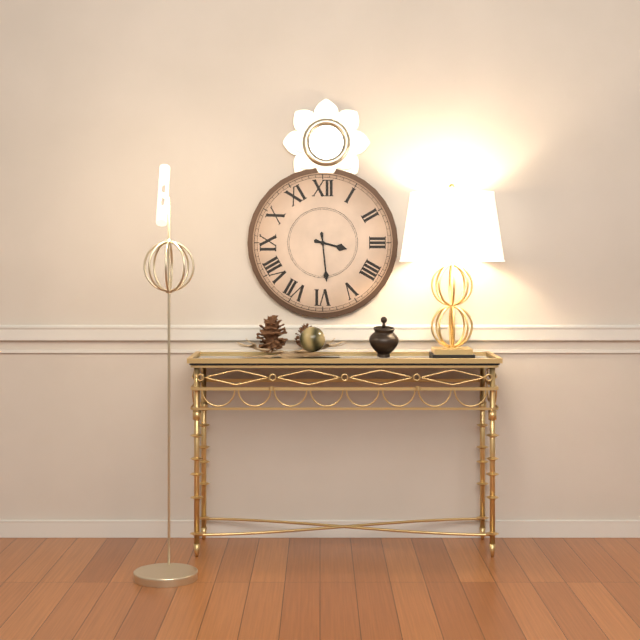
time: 3:29
